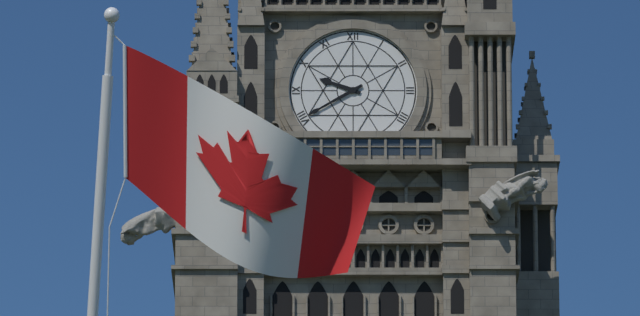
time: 9:40
